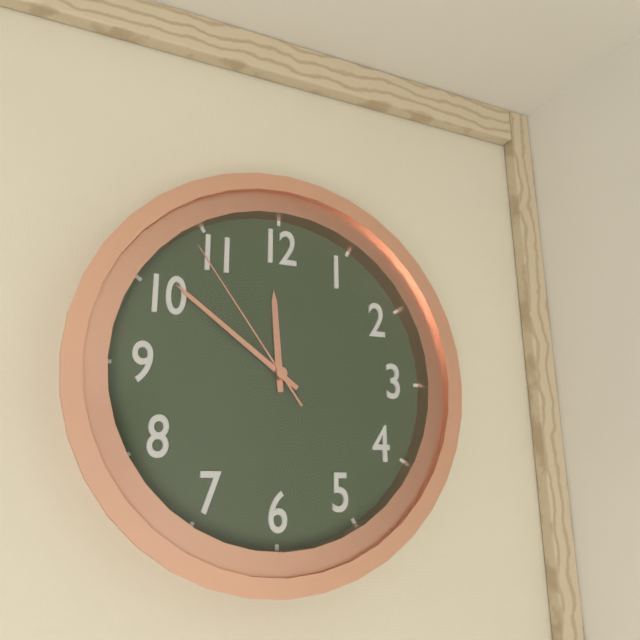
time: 11:51:54
